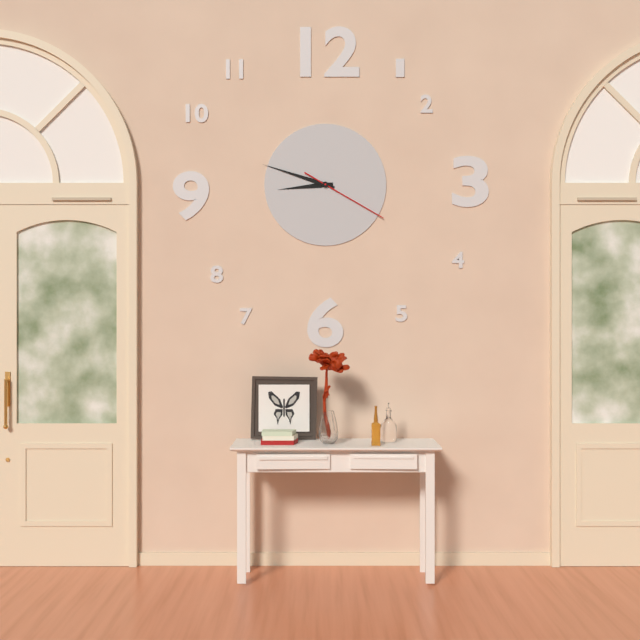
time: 8:48:20
